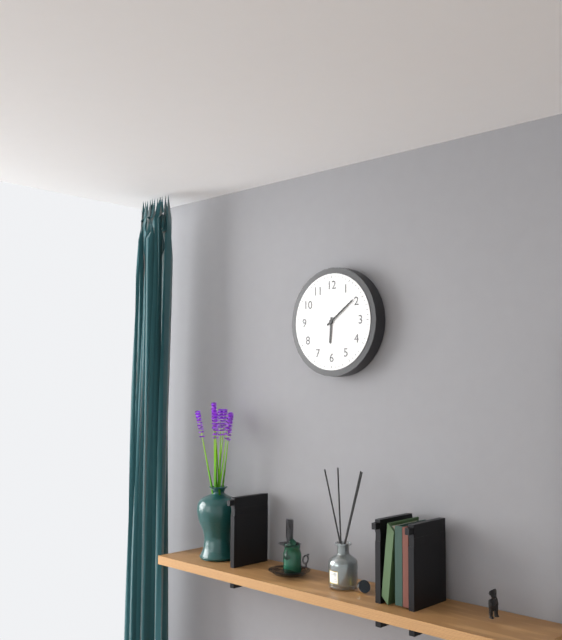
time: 6:09
